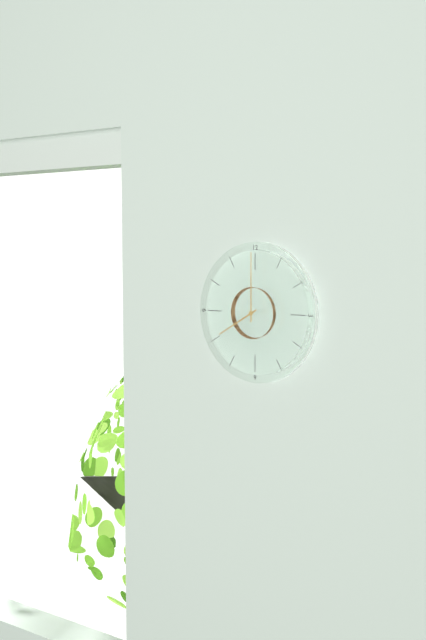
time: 8:00
